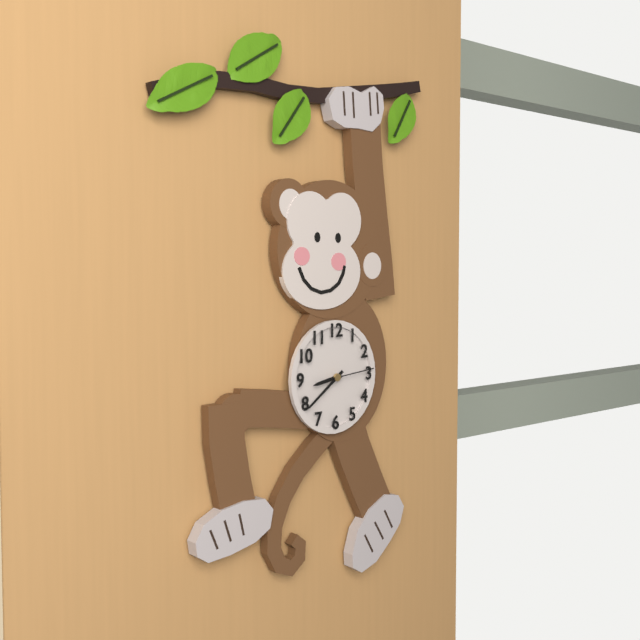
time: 8:39:14
